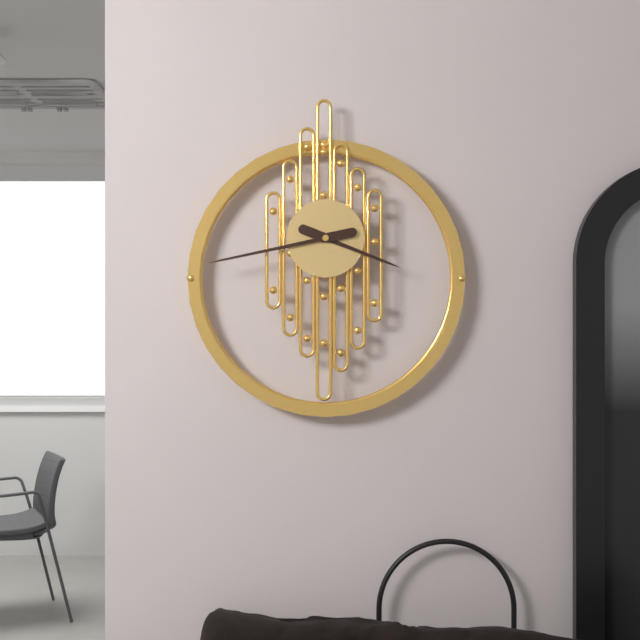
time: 3:43
